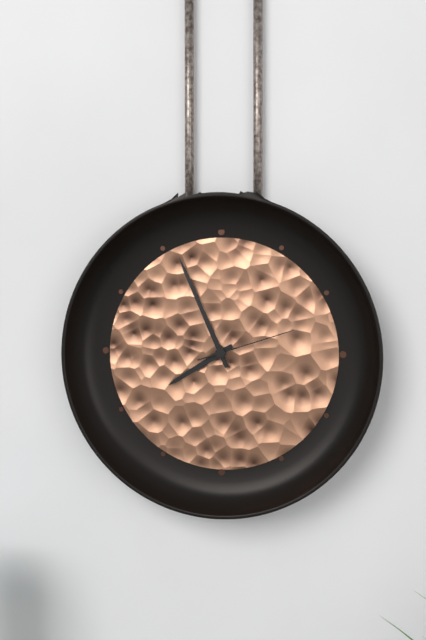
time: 7:56:12
